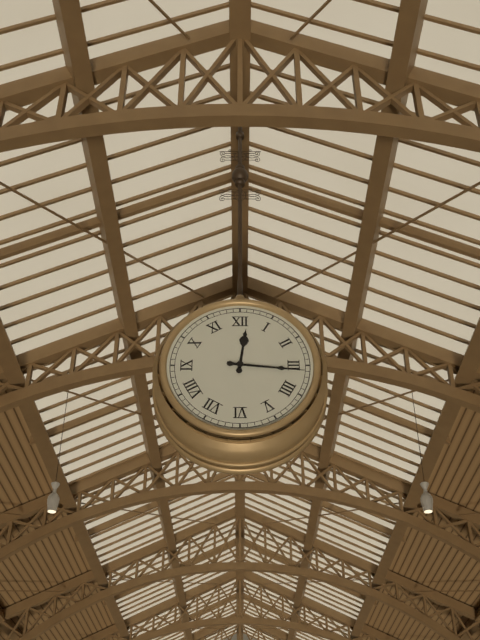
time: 12:16
